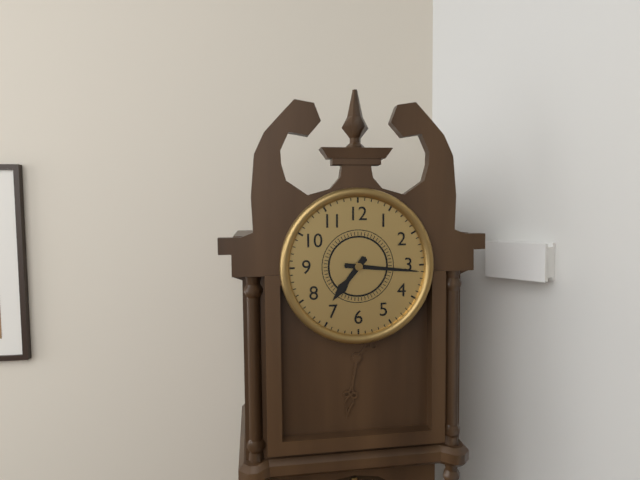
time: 7:16
